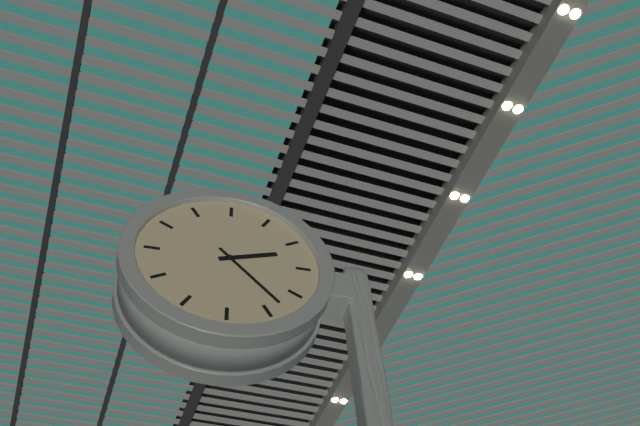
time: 2:23
